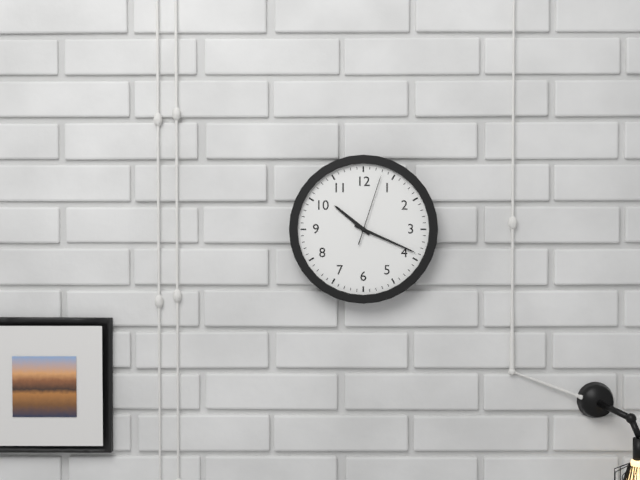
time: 10:19:03
